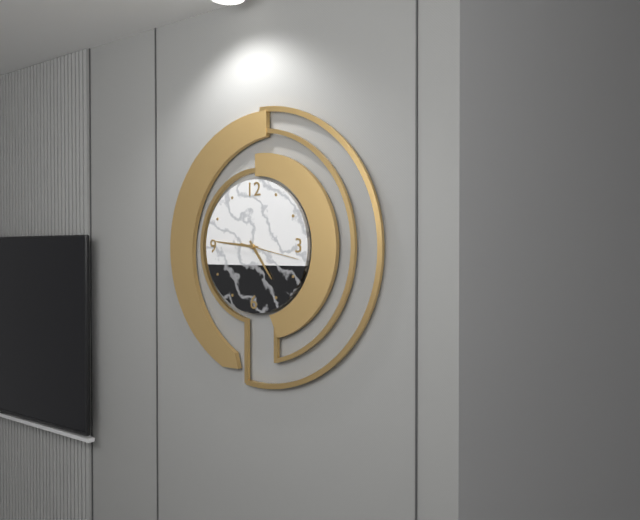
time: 4:46:17
